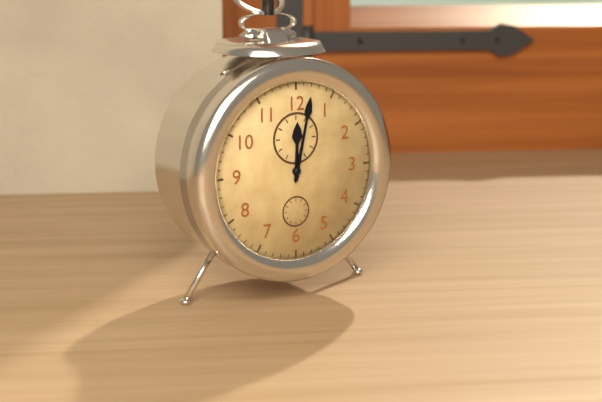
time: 12:02
